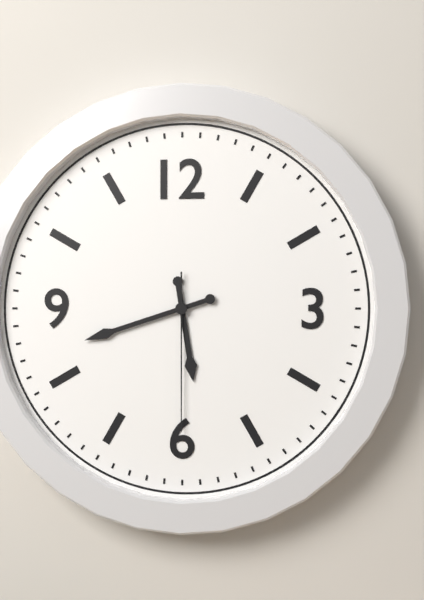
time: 5:42:30
